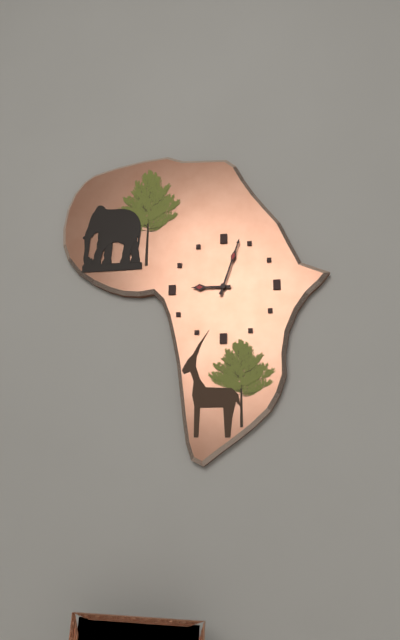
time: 9:03
